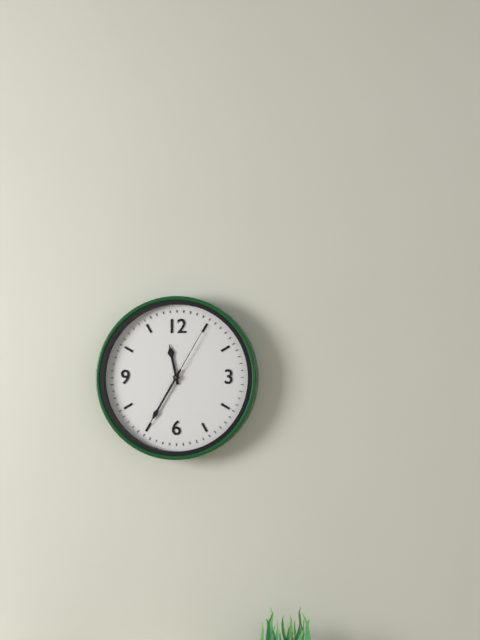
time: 11:35:05
